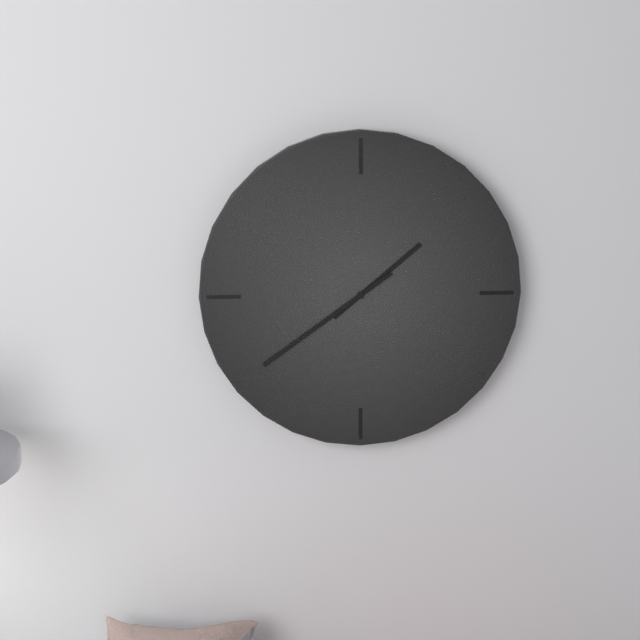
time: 1:39
